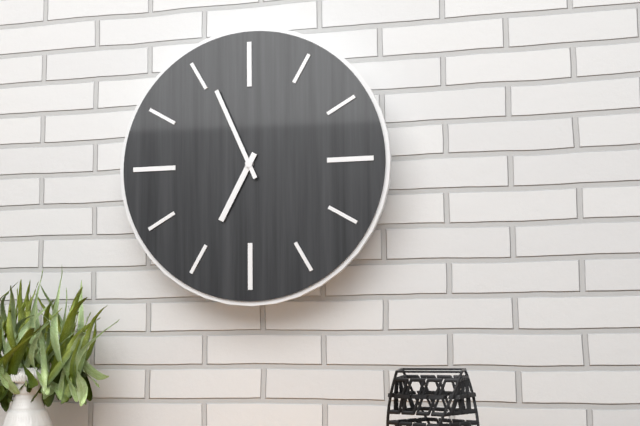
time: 6:56
